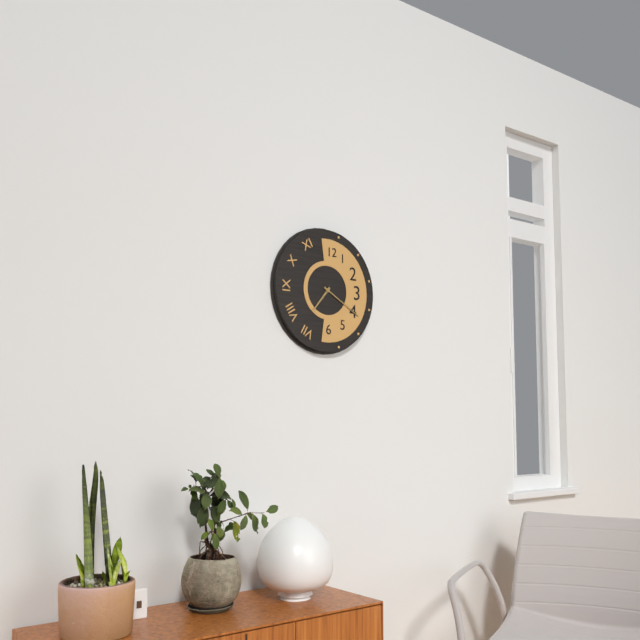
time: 7:20
